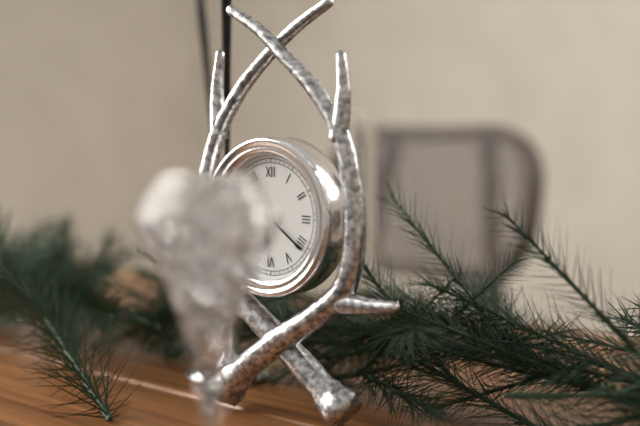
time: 6:21
